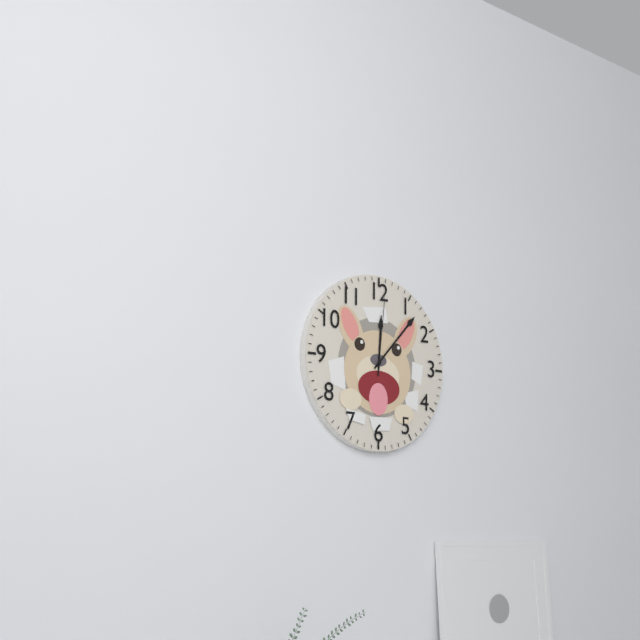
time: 12:07:01
